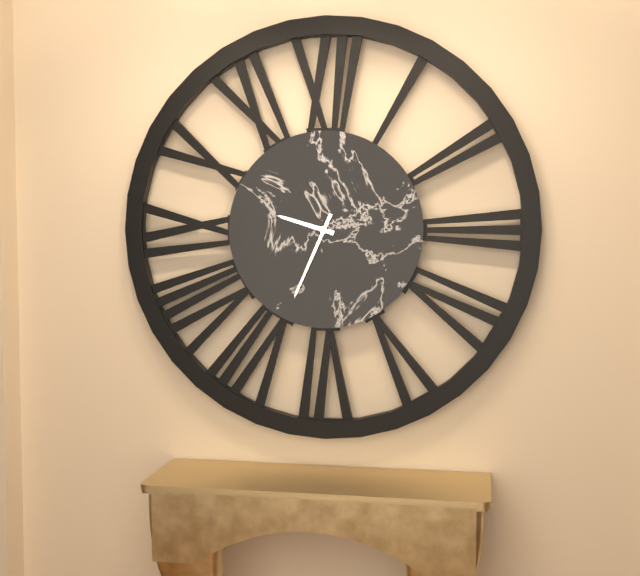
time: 9:34
